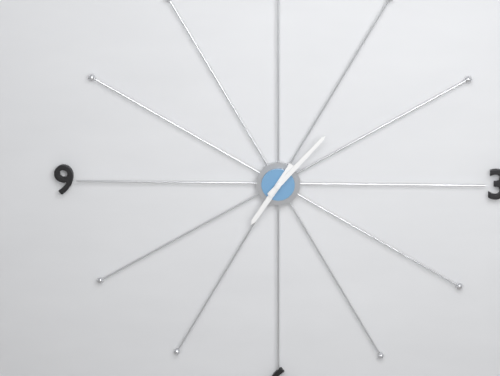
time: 7:07
